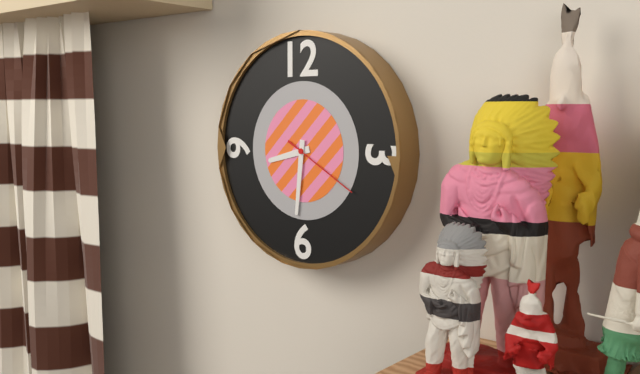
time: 8:31:20
